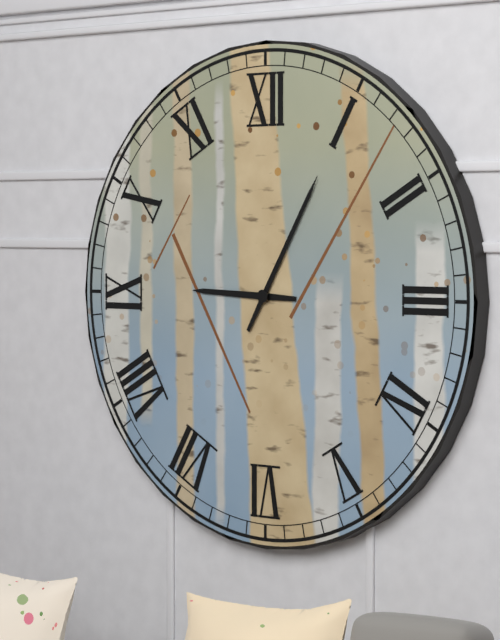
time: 9:05
